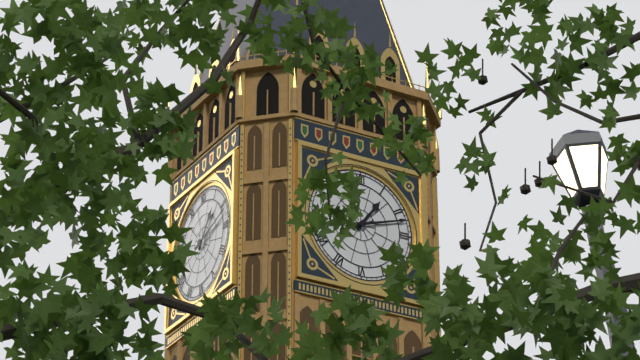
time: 1:12
